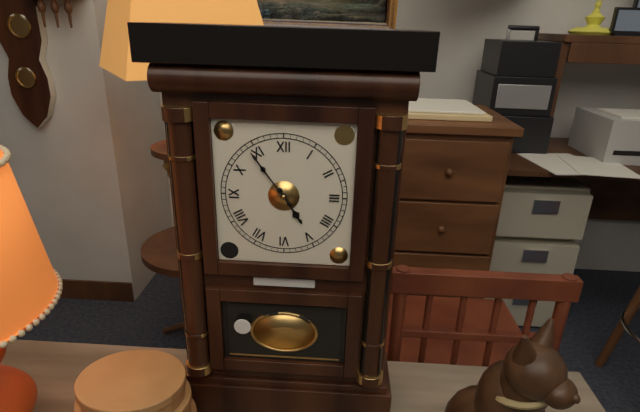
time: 4:54
